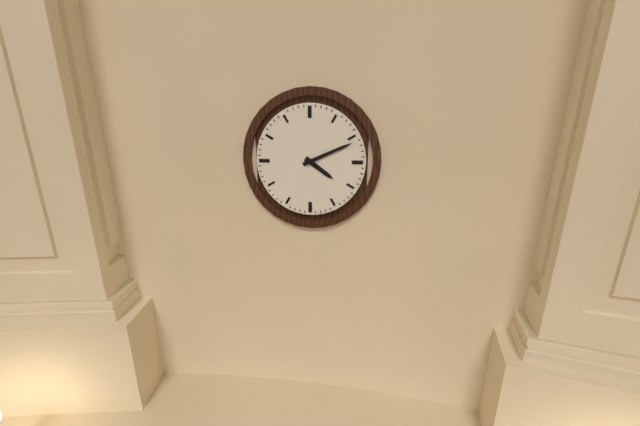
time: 4:11
